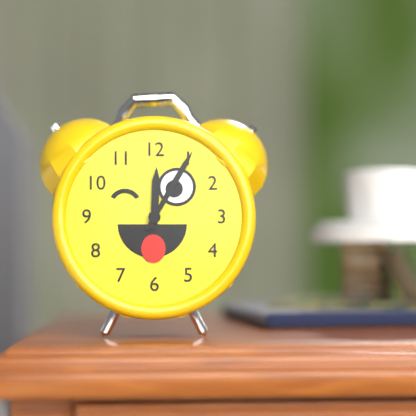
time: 12:05
